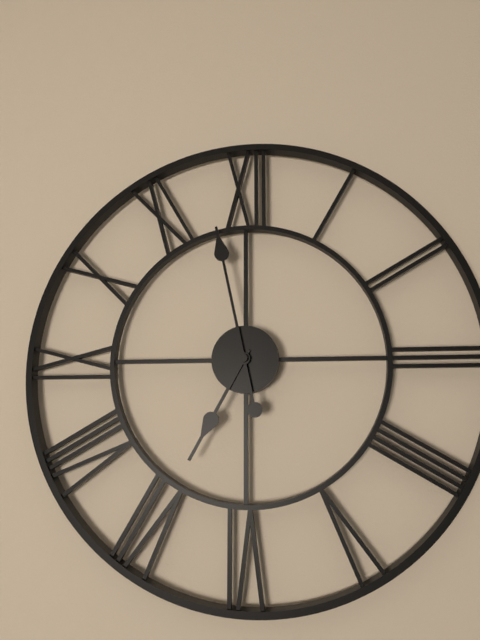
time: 6:58
